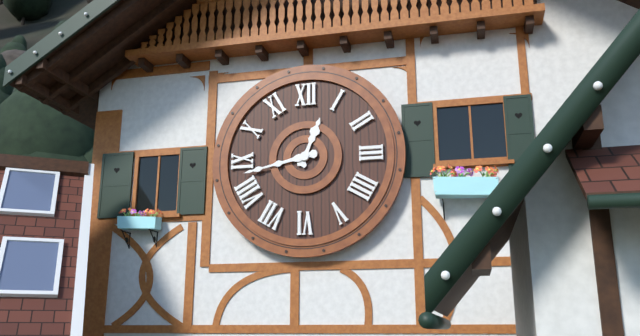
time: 12:43
